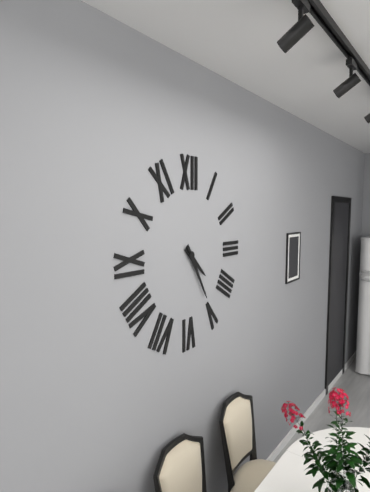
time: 4:25
